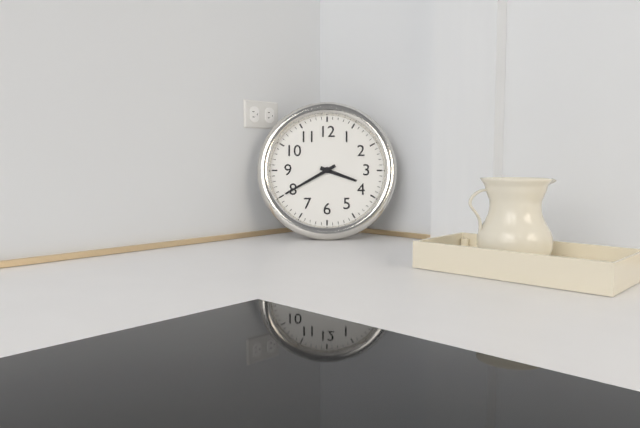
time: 3:40
